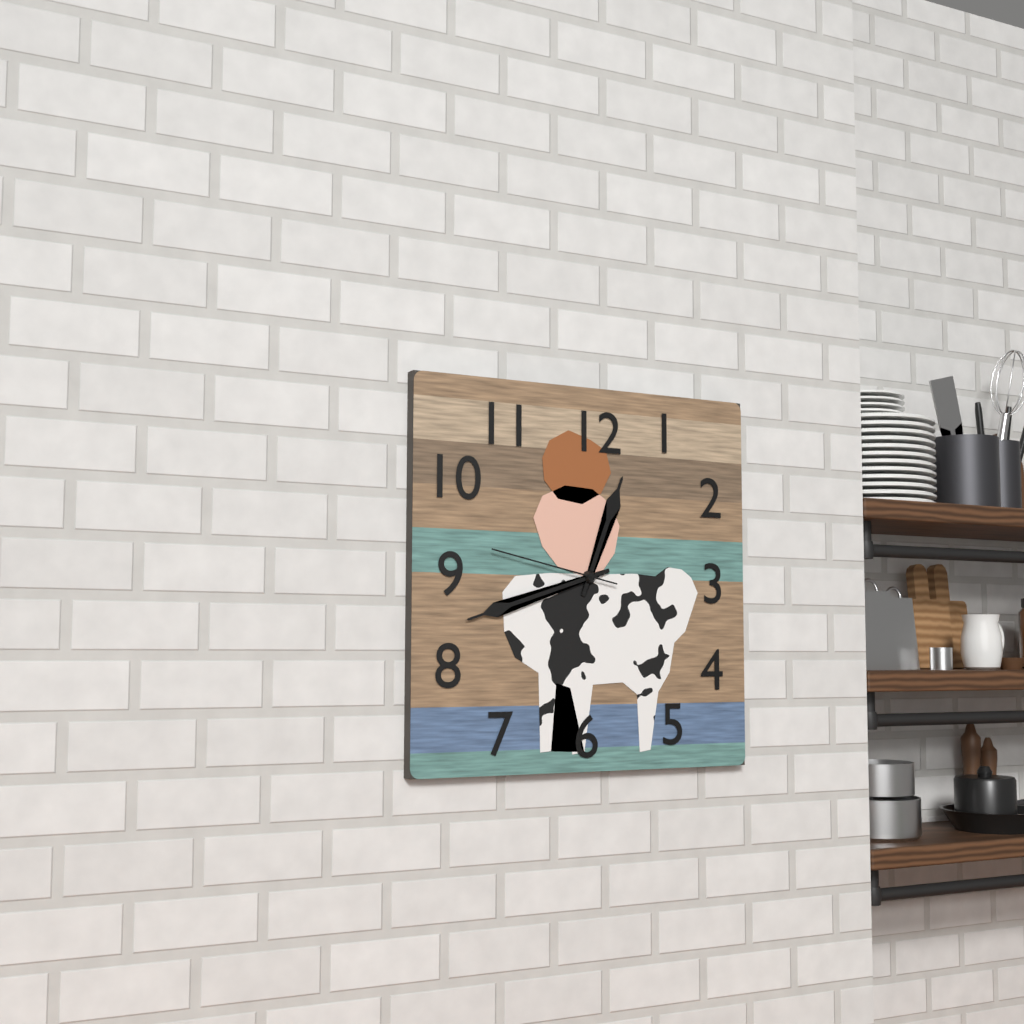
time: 12:42:47
